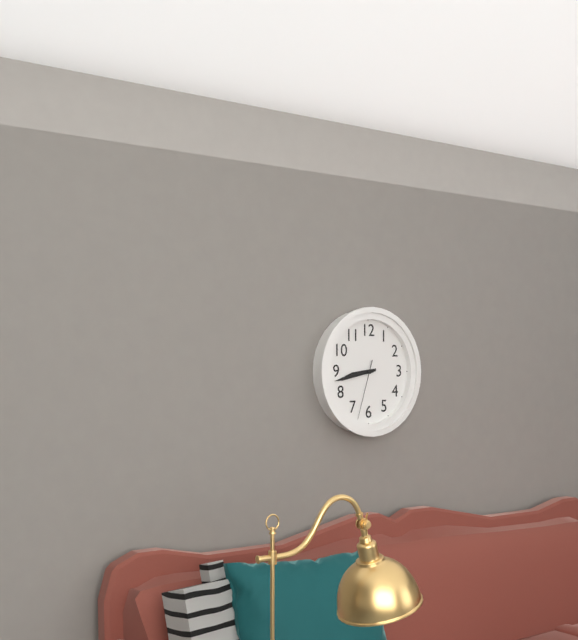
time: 8:43:33
